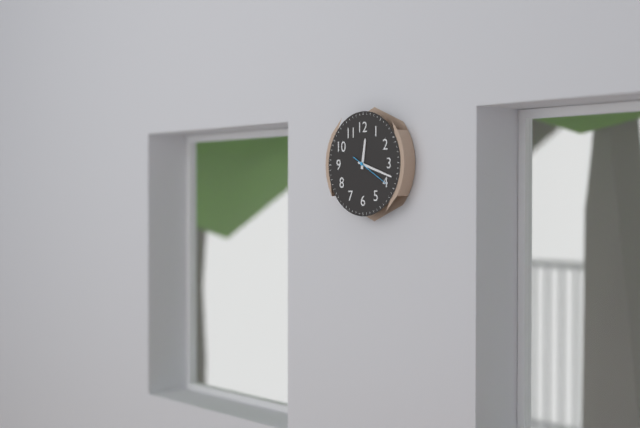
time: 12:18
